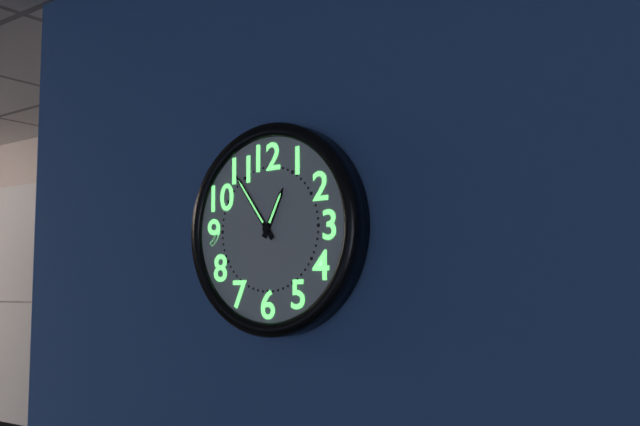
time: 12:54
